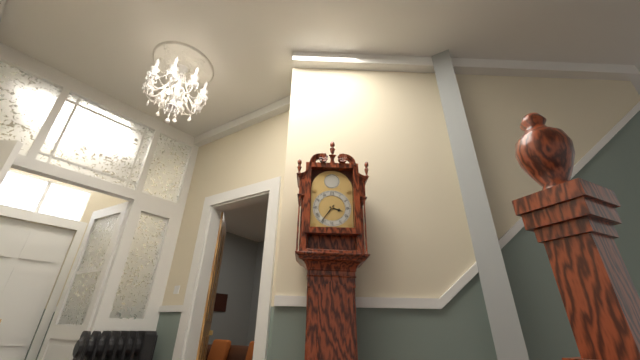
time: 3:36
